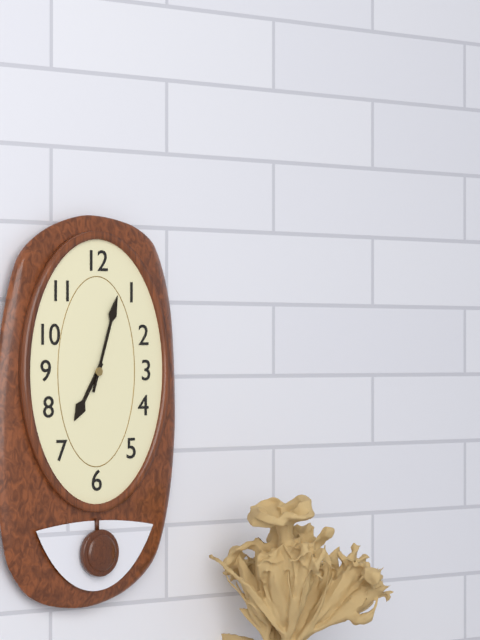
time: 7:03
